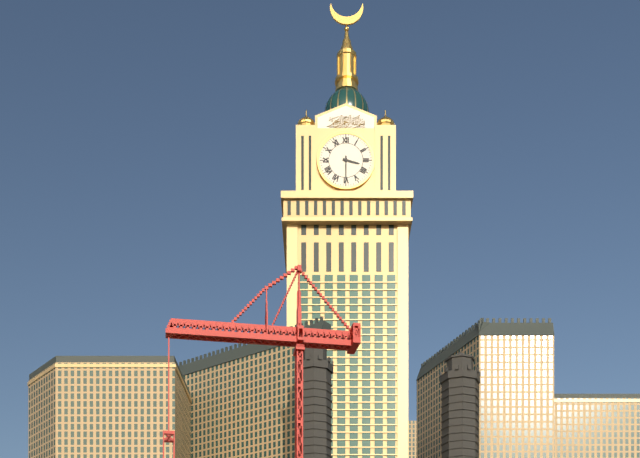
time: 3:30
